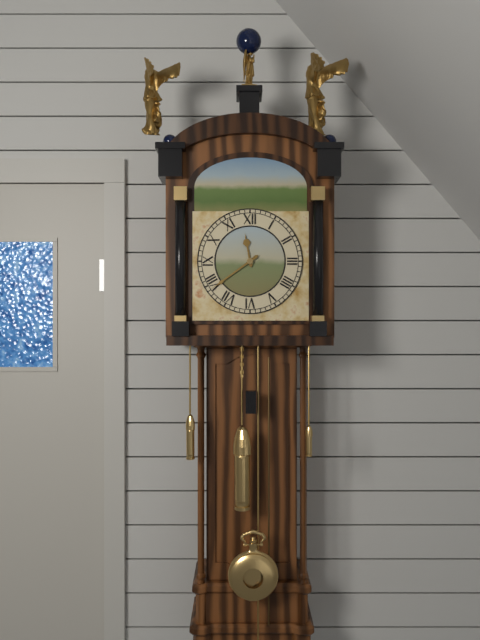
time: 11:39
